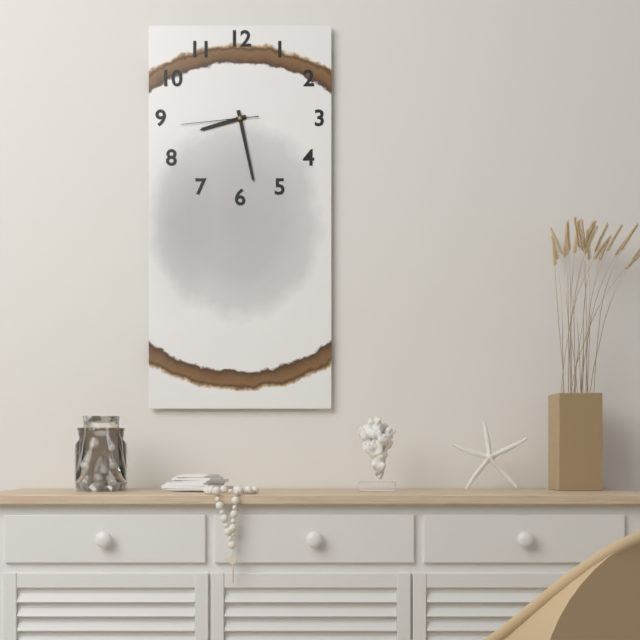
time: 8:28:44
